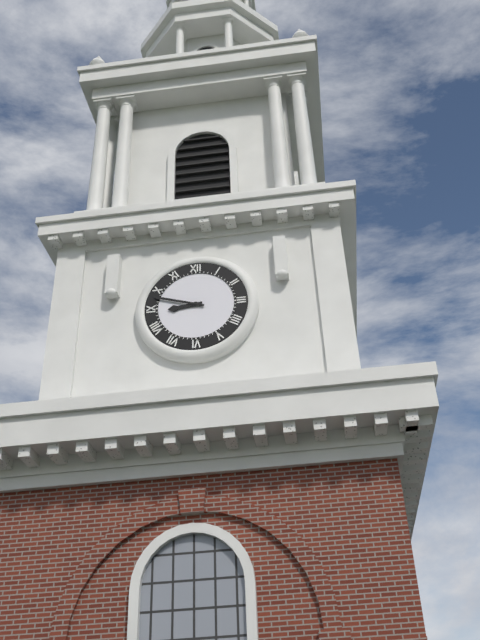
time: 8:48
